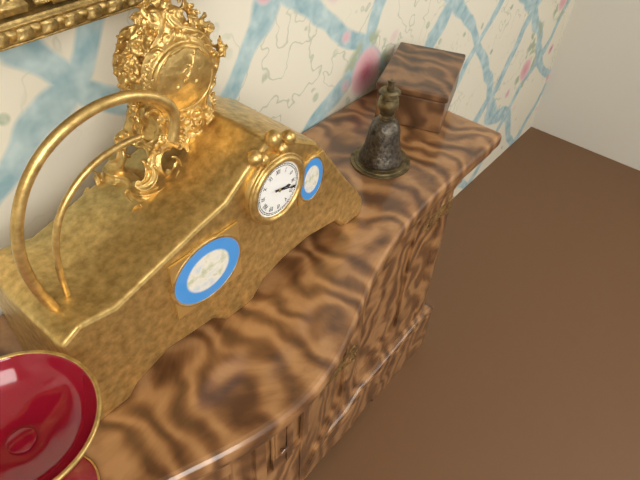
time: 3:18
